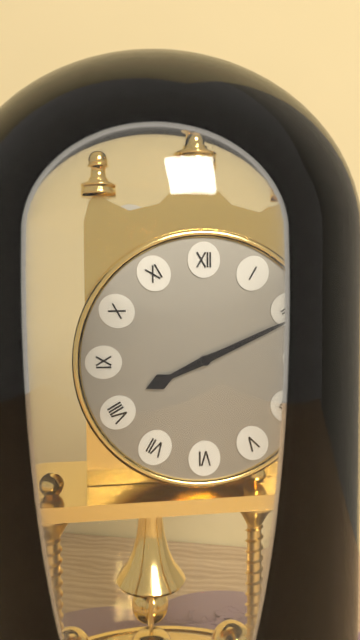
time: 8:11
